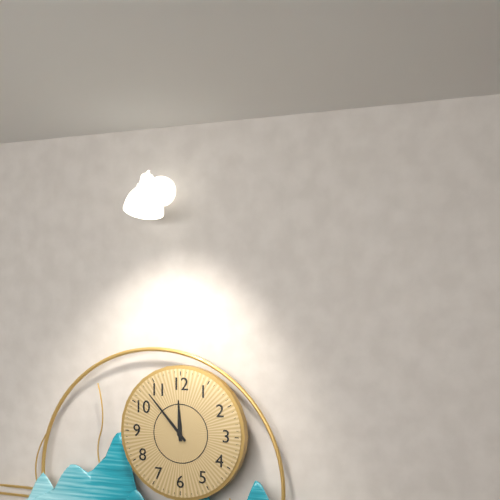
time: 11:53
